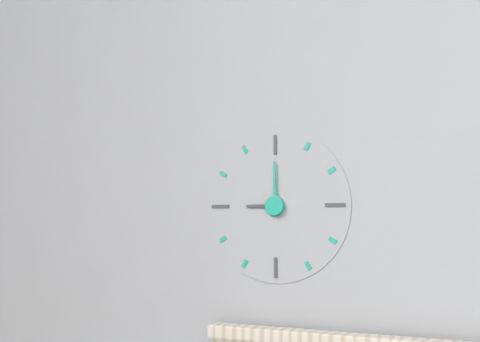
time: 9:00
